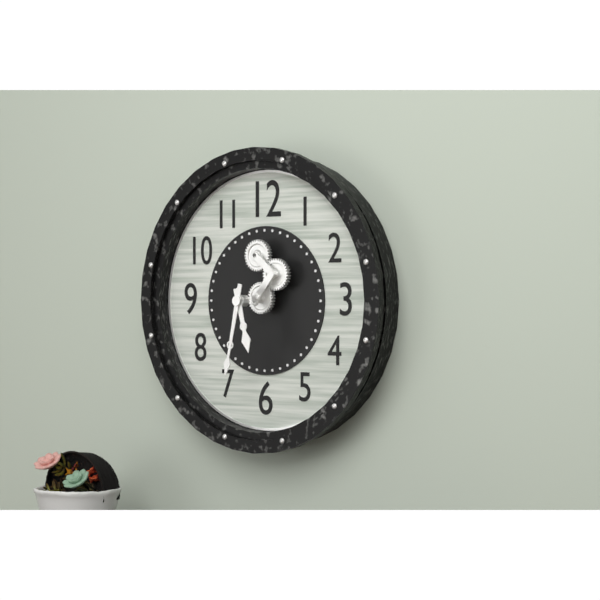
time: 5:32
